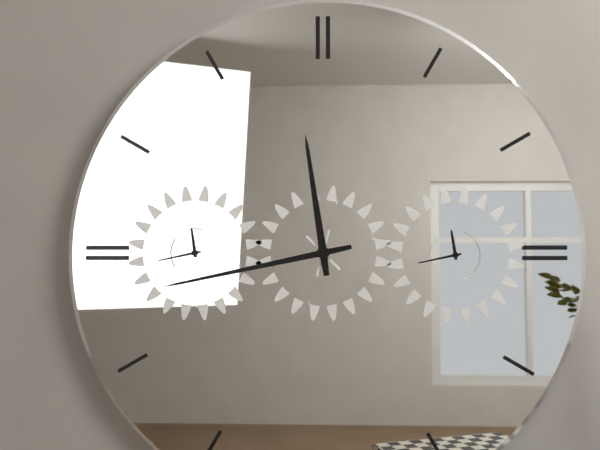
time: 11:43
